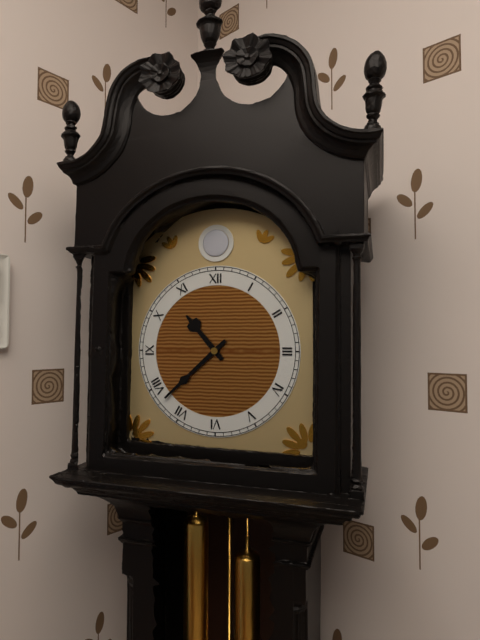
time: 10:38
